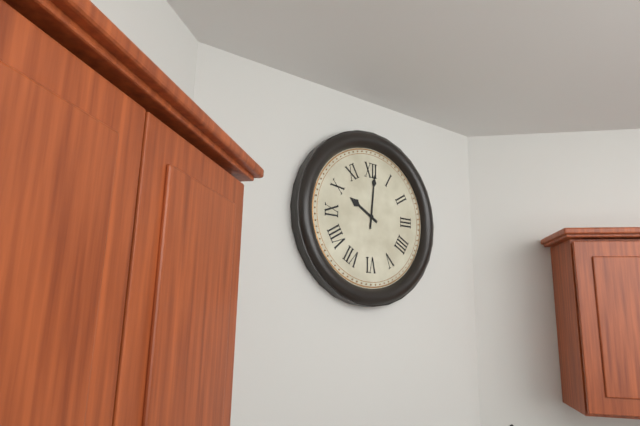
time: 10:01
